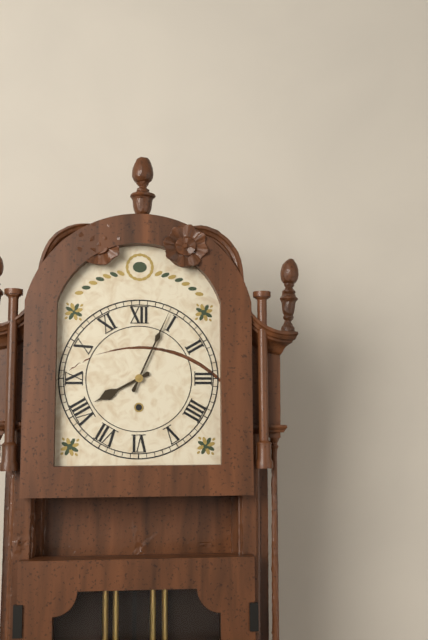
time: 8:04
